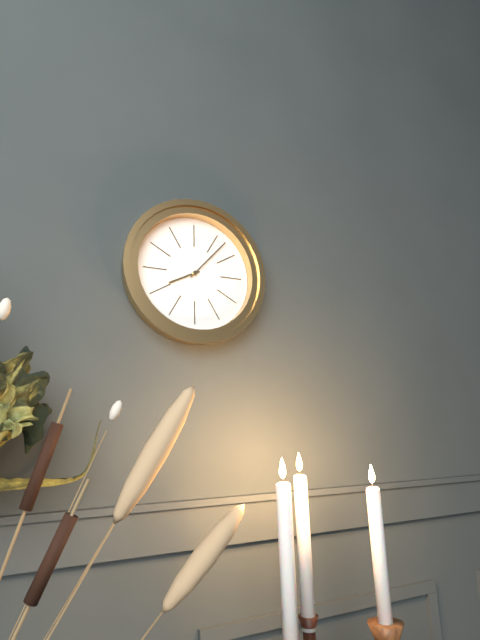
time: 8:07
